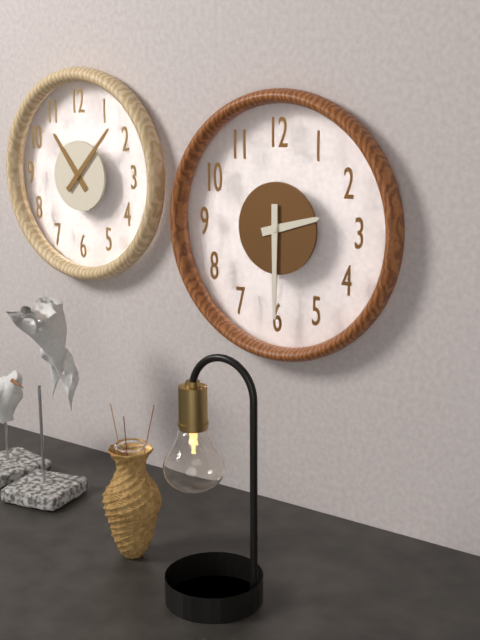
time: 2:30
